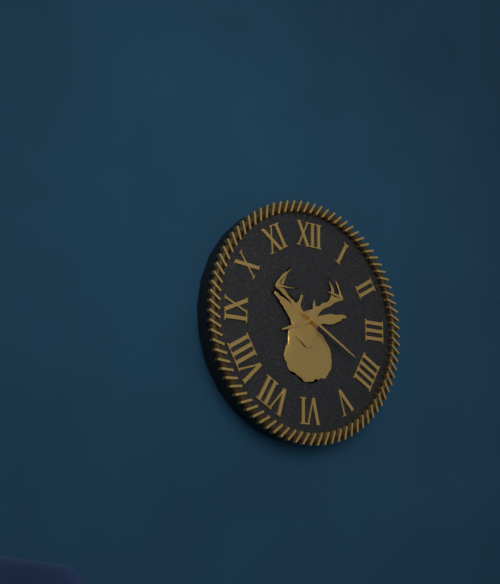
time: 8:20
